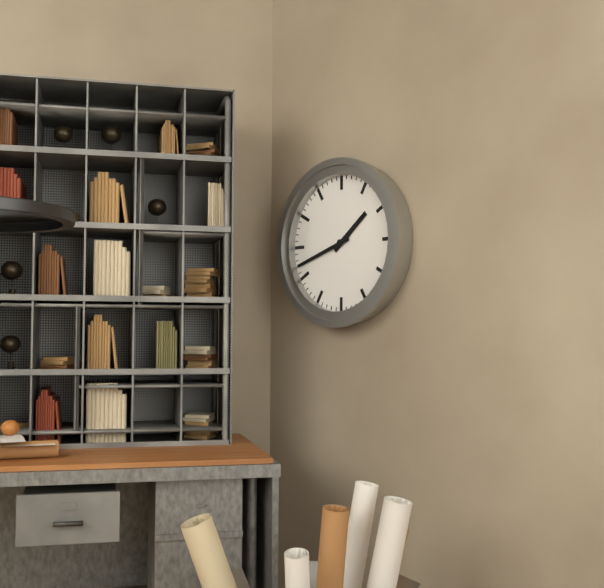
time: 1:42
